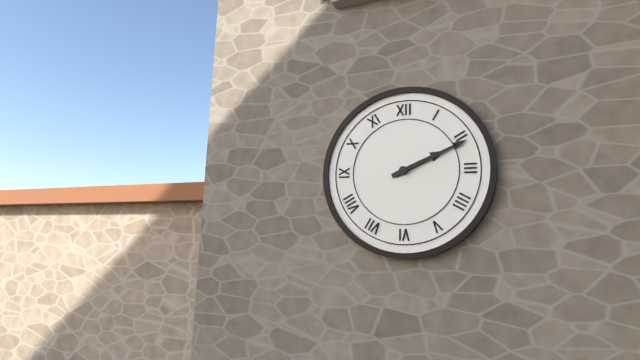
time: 2:11
